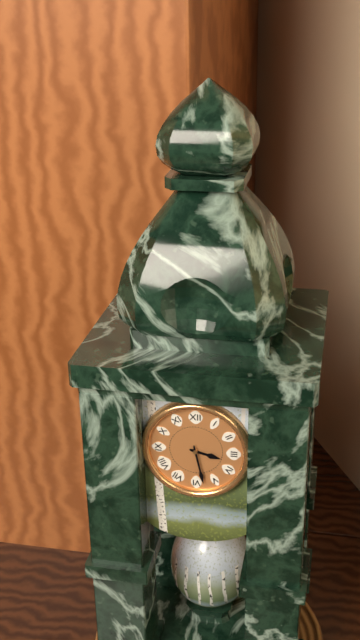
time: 3:28
